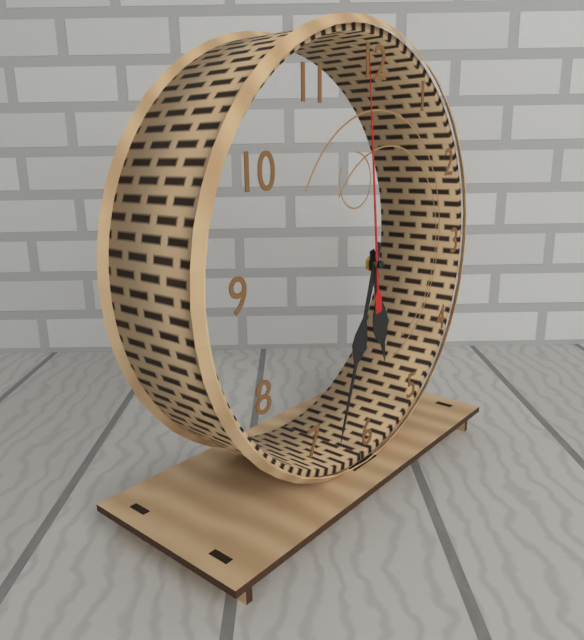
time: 5:33:59
